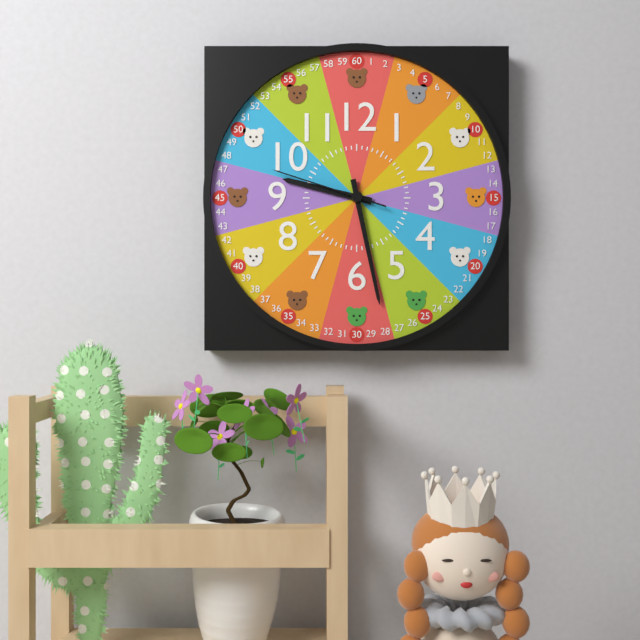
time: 9:28:48
